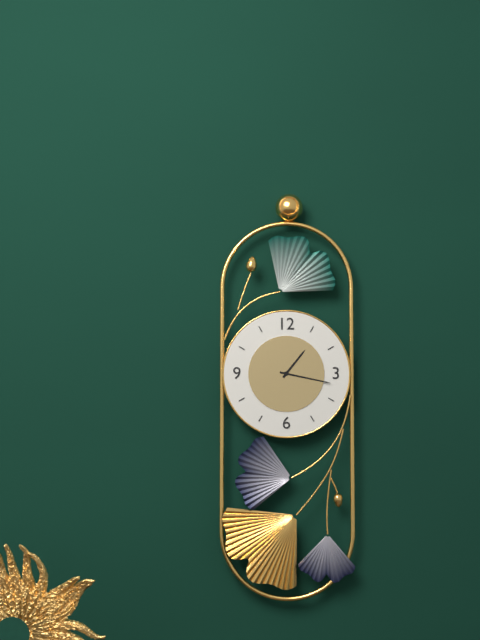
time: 1:17
